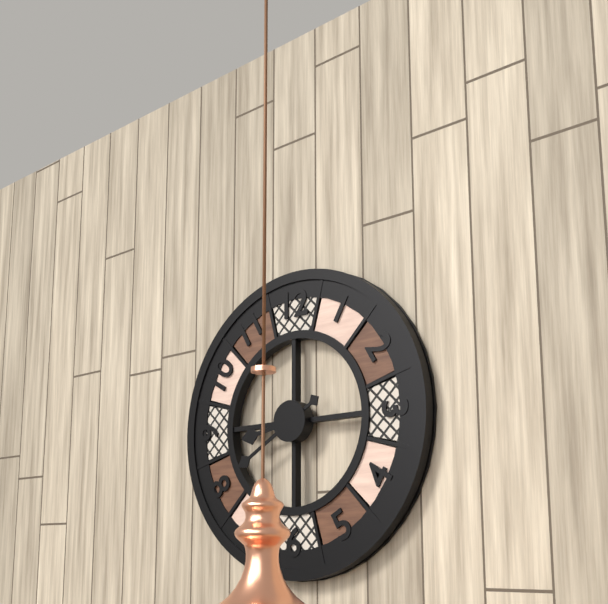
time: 8:40
